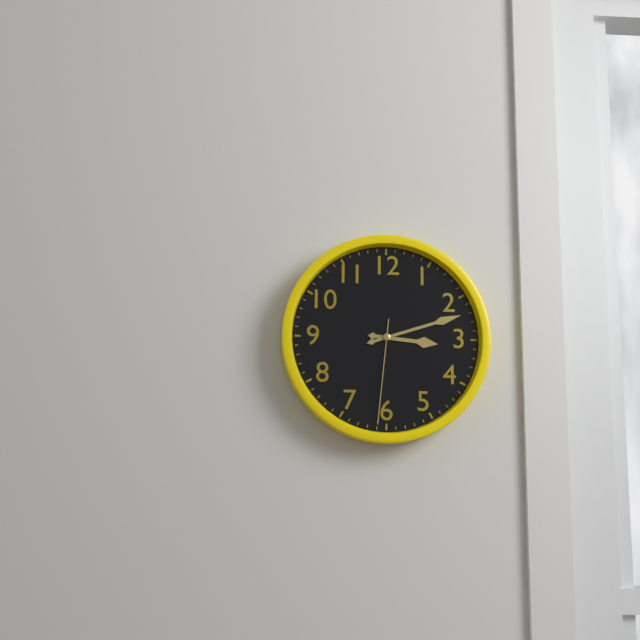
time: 3:12:31
